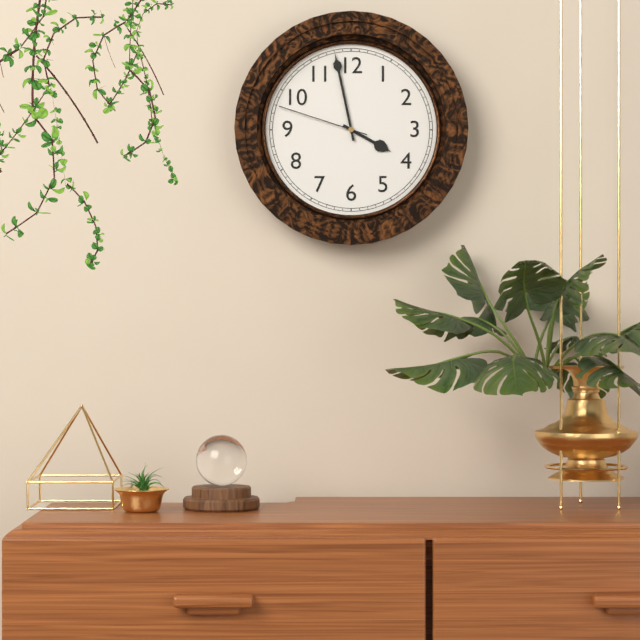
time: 3:58:48
